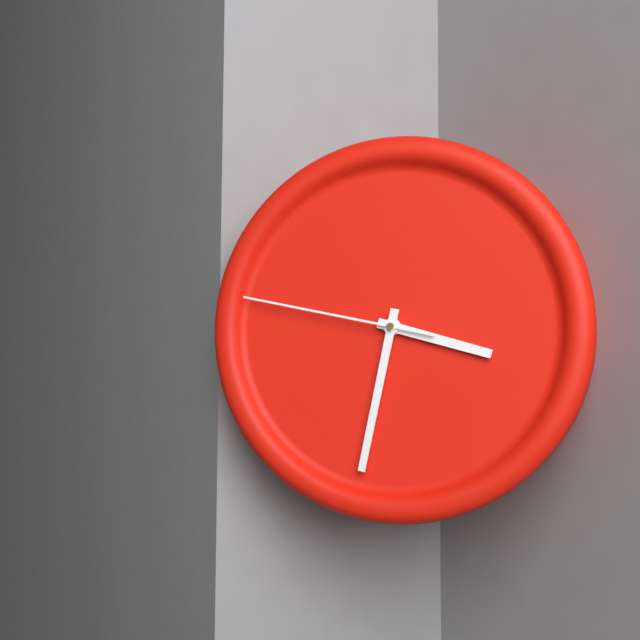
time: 3:32:47
